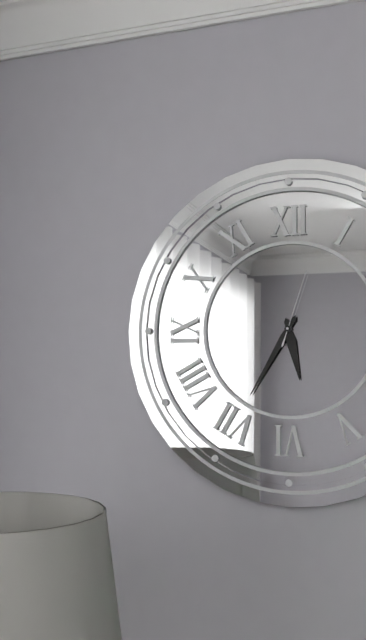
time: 5:35:03
